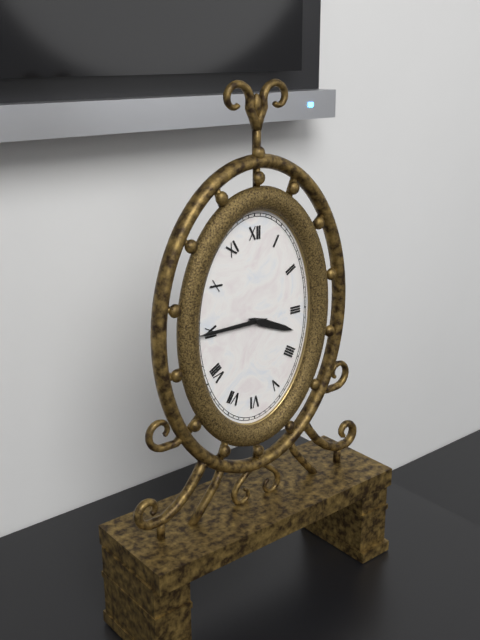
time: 3:45
